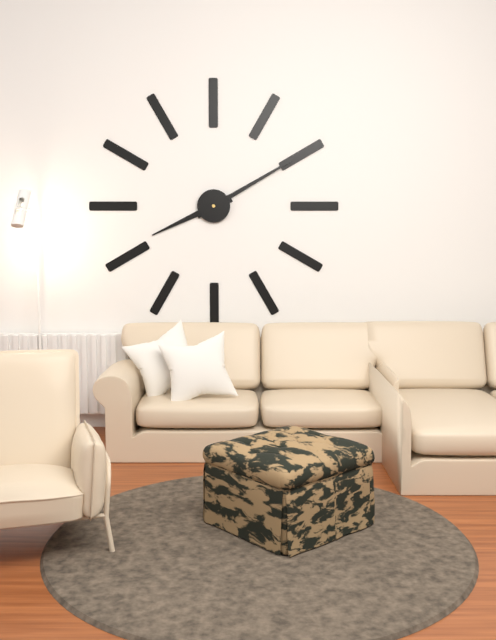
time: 8:10
